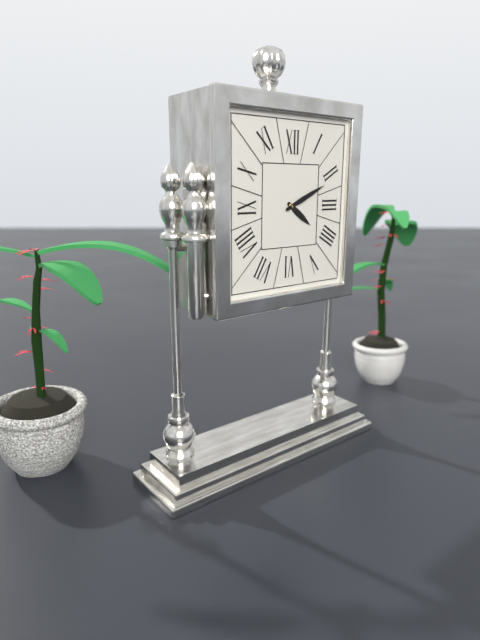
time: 4:11
